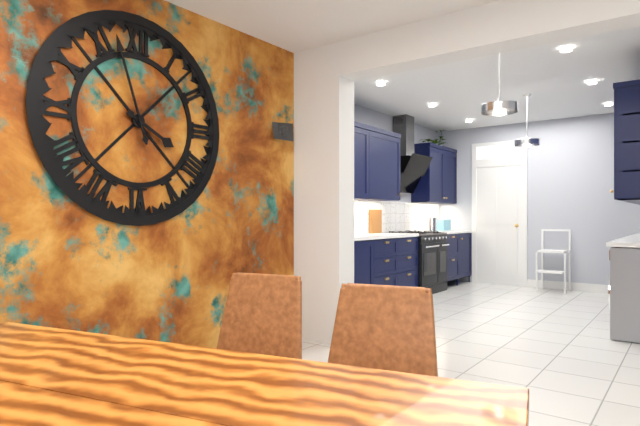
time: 3:57
